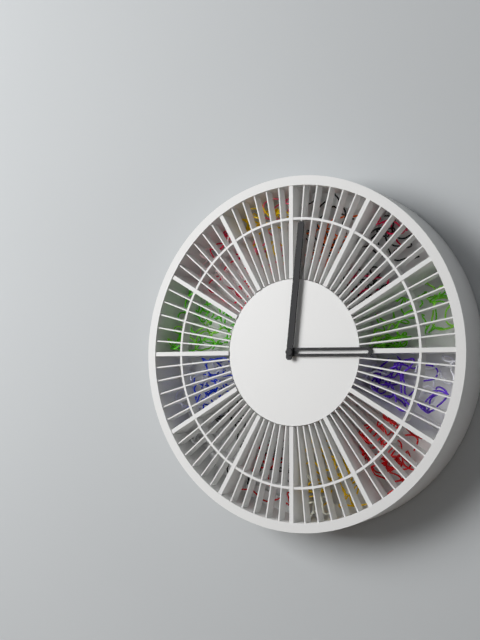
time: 3:01
